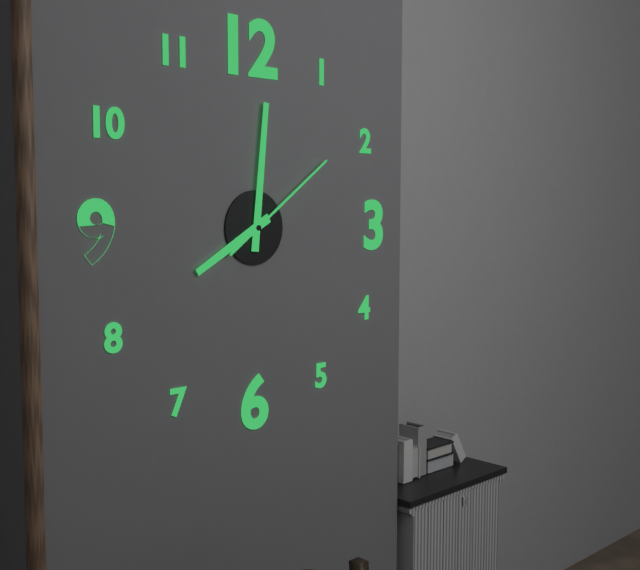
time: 8:01:09
